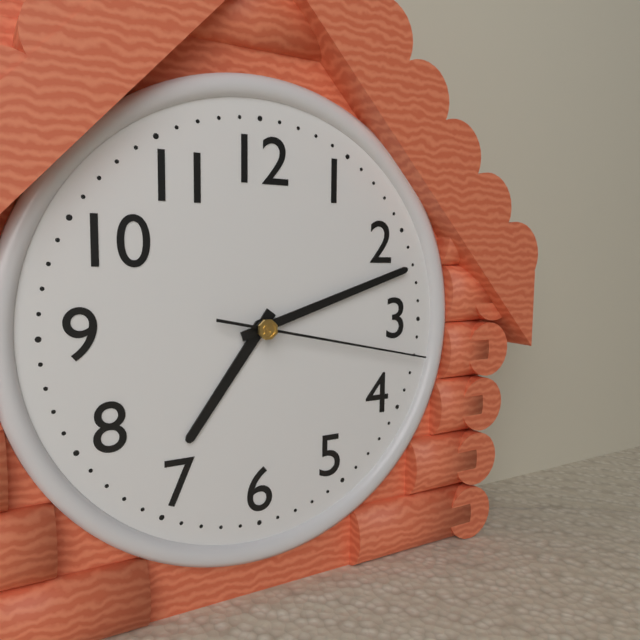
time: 7:12:17
